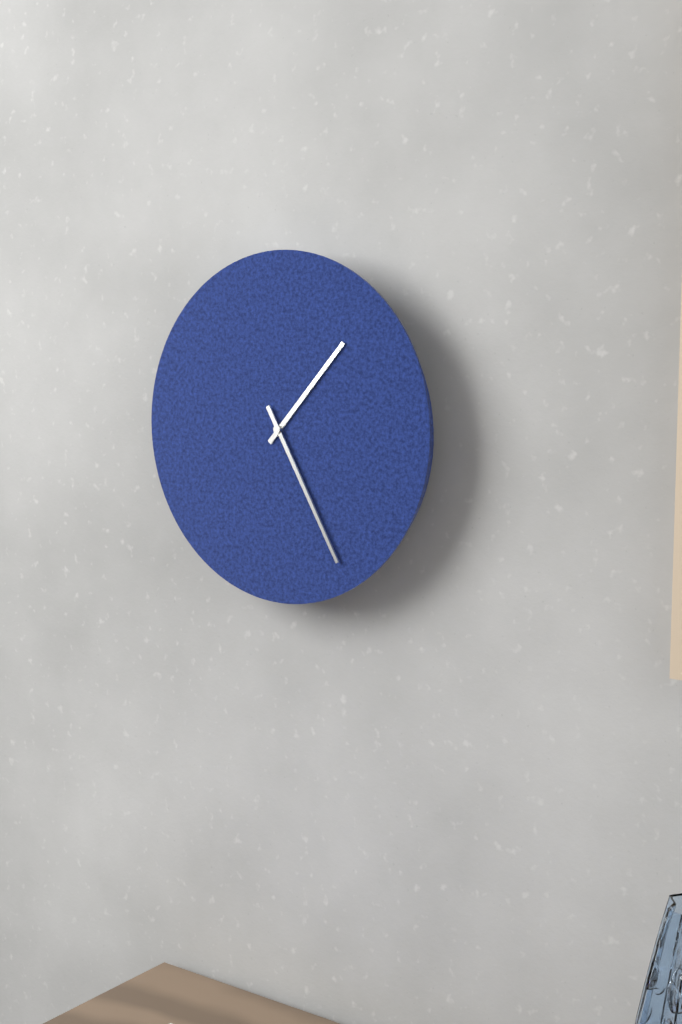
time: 1:25
